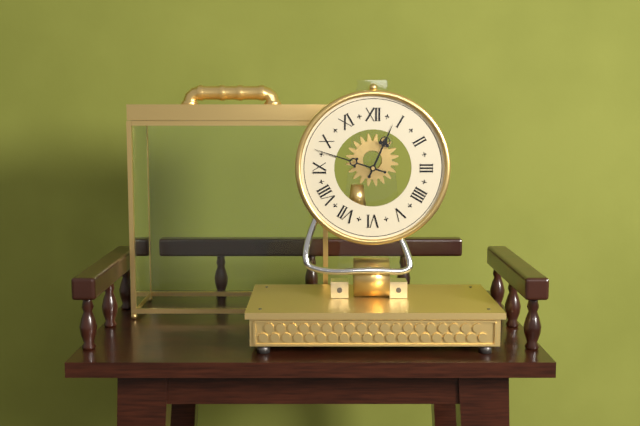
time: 12:48
